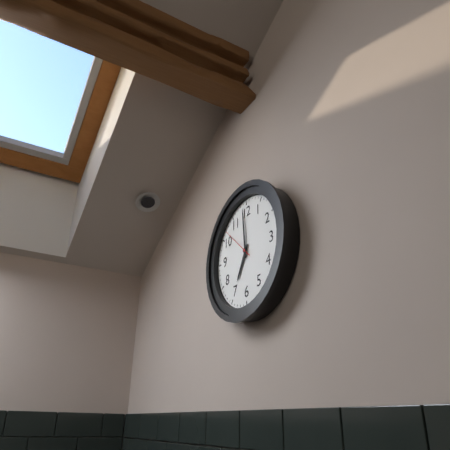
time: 6:59
